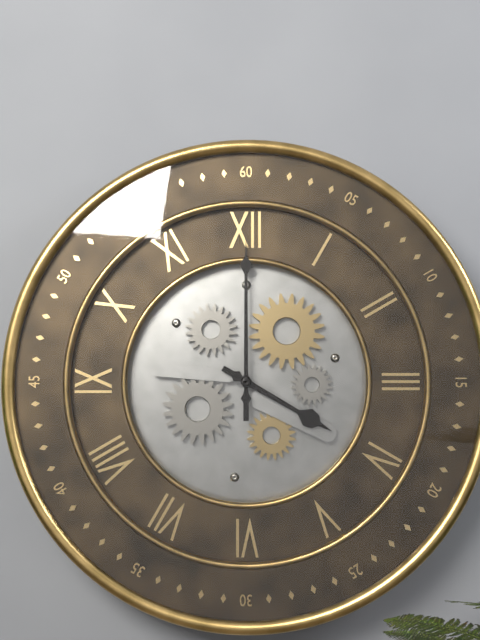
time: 4:00
